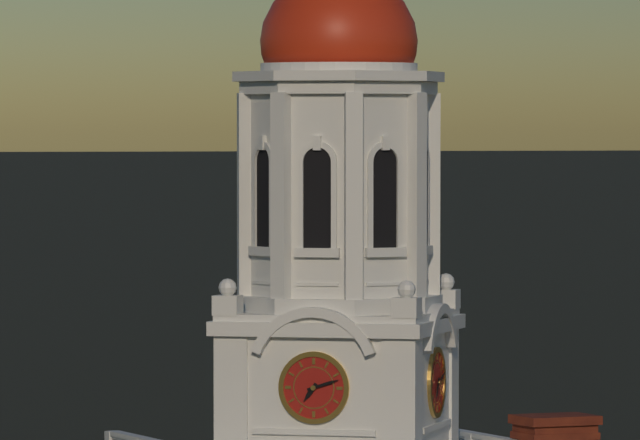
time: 7:12
